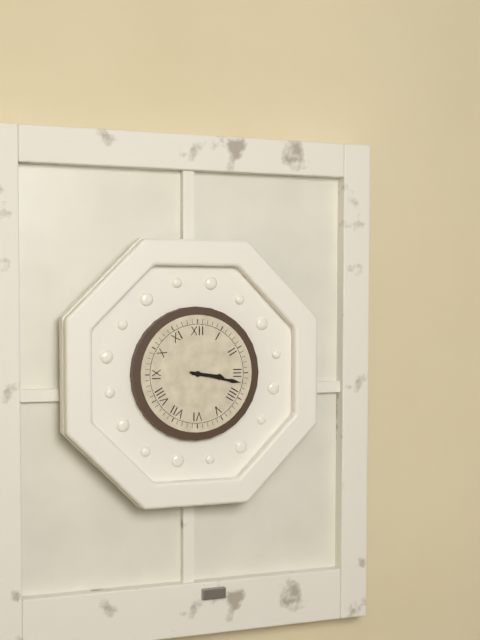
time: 3:17
